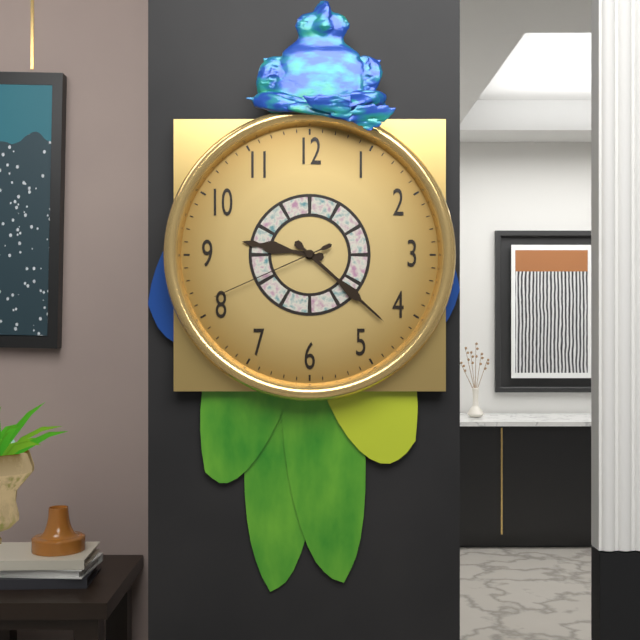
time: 9:22:41
